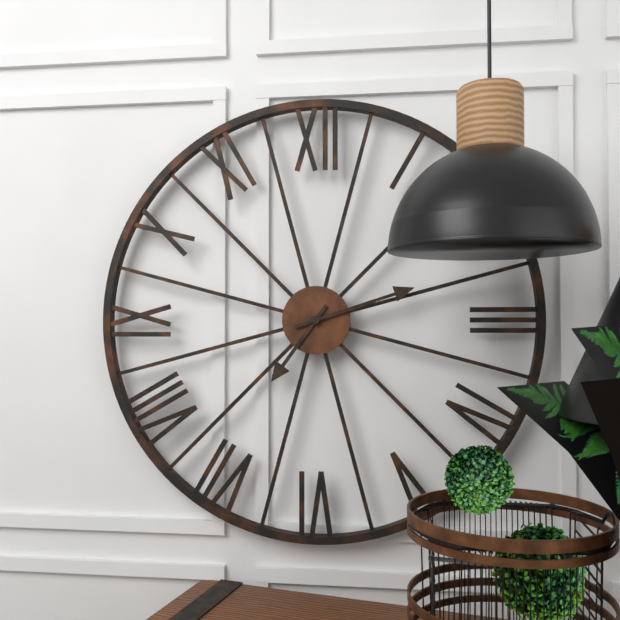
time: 7:12
